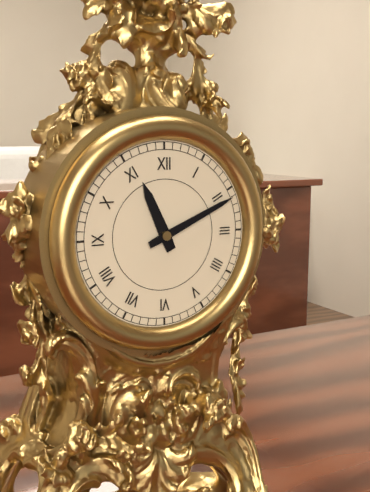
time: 11:11
